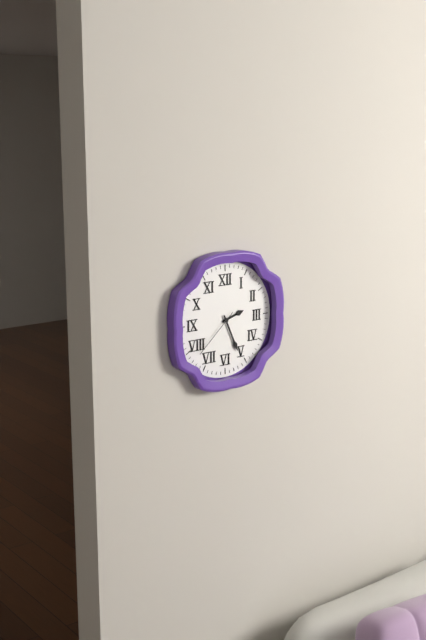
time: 2:26:38
